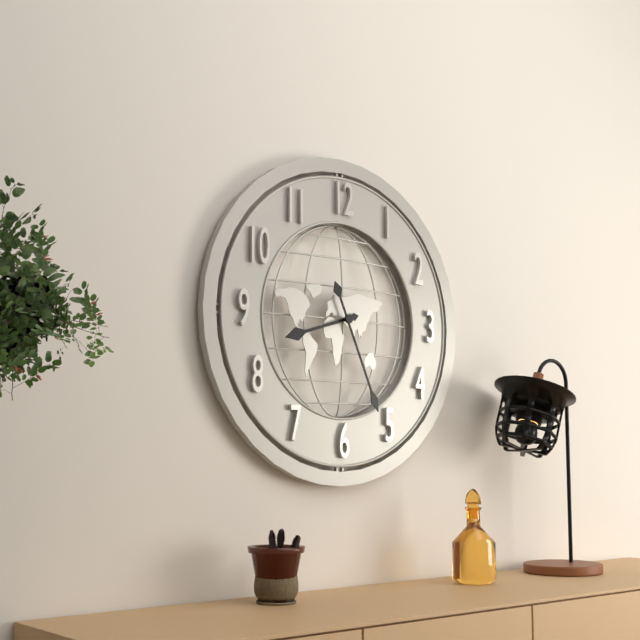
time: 8:26
